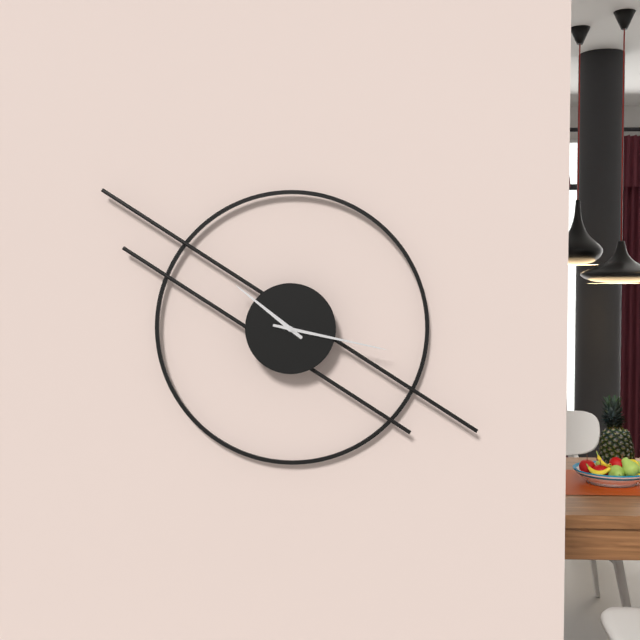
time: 10:17
